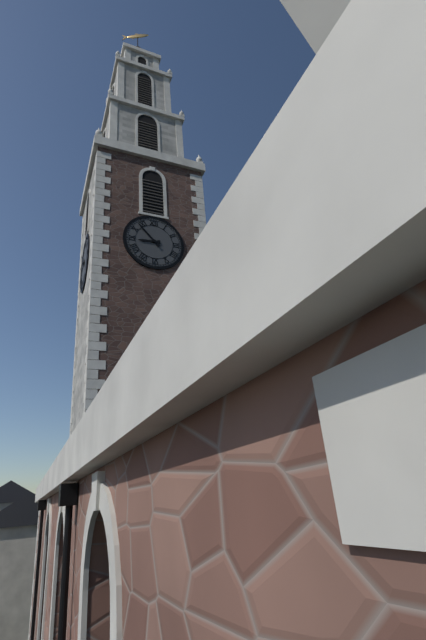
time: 8:53
